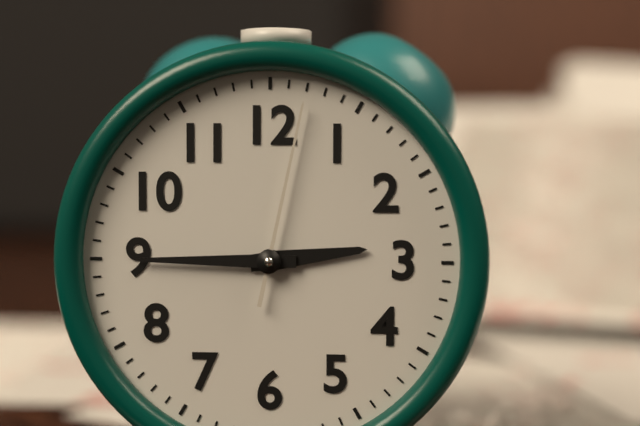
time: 2:45:02
